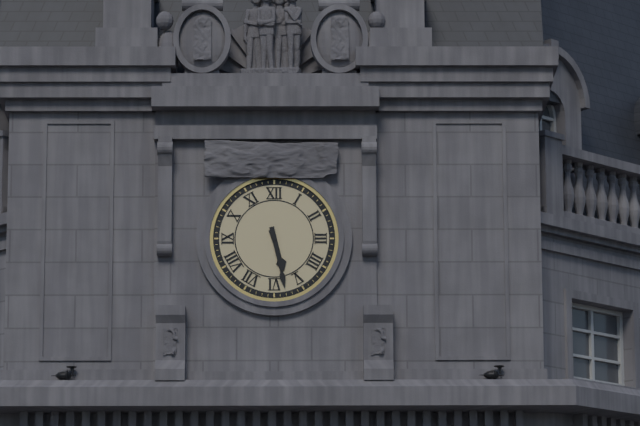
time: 5:28
